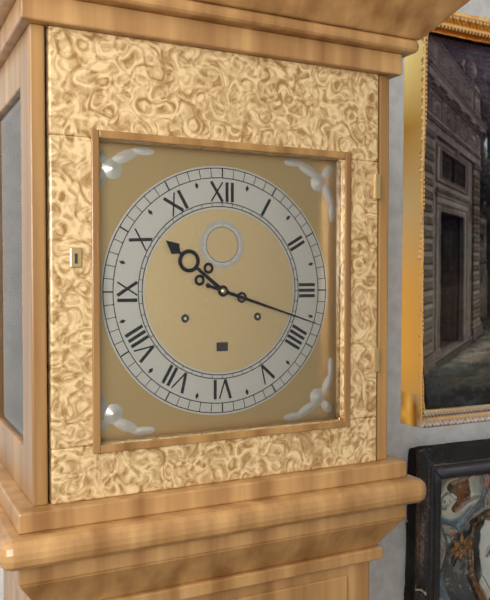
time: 10:18
